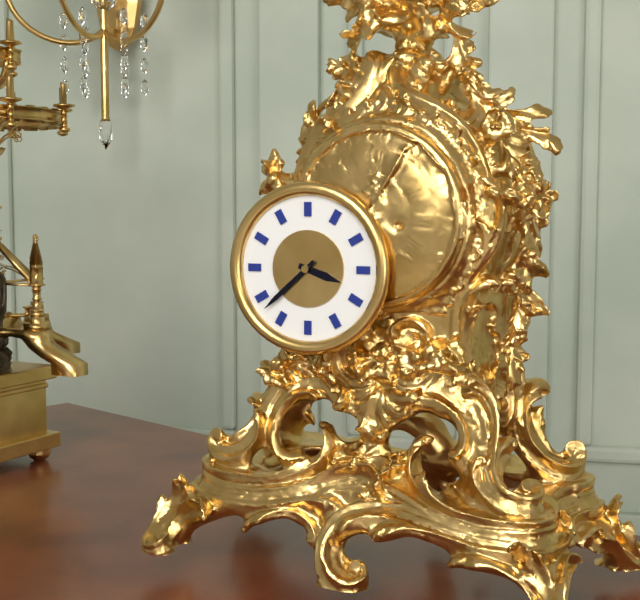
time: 3:38
